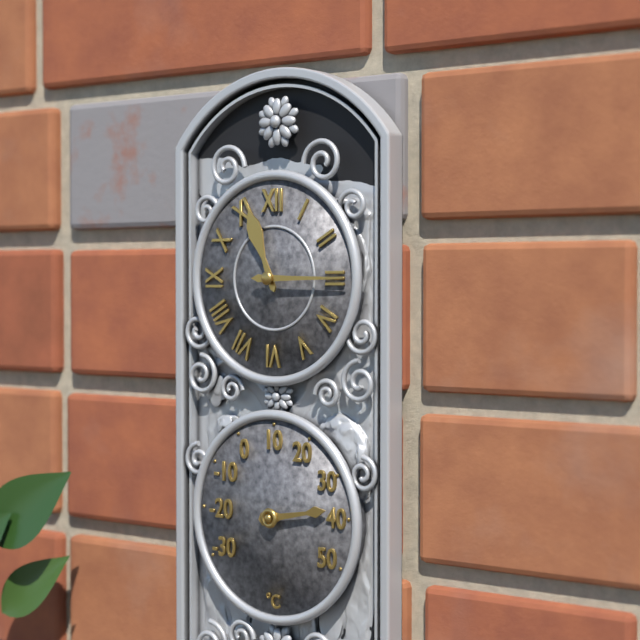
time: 11:15
